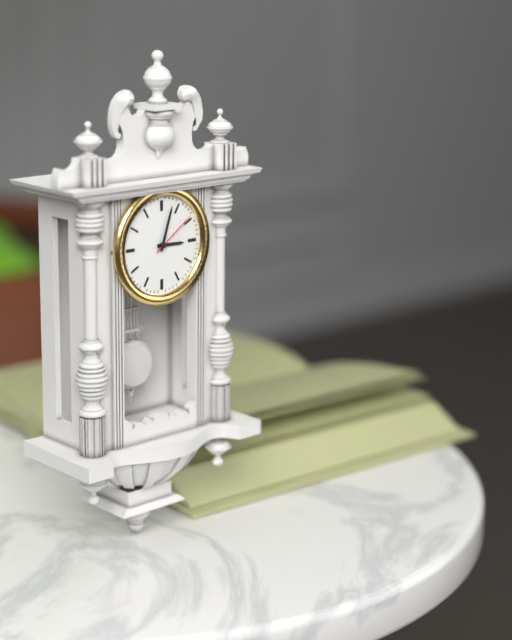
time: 3:03:09
